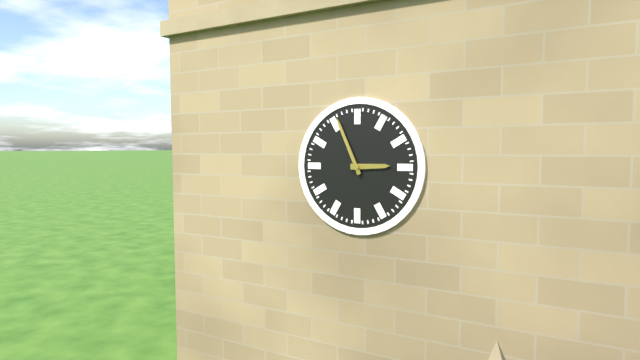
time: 2:56
